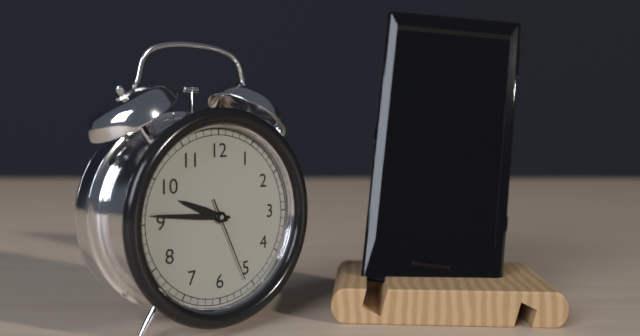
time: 9:46:26
